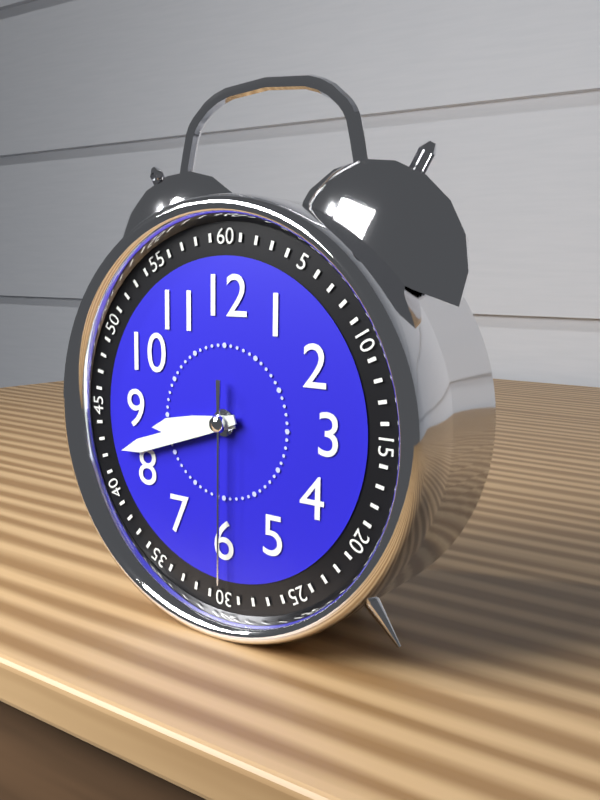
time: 8:42:30
